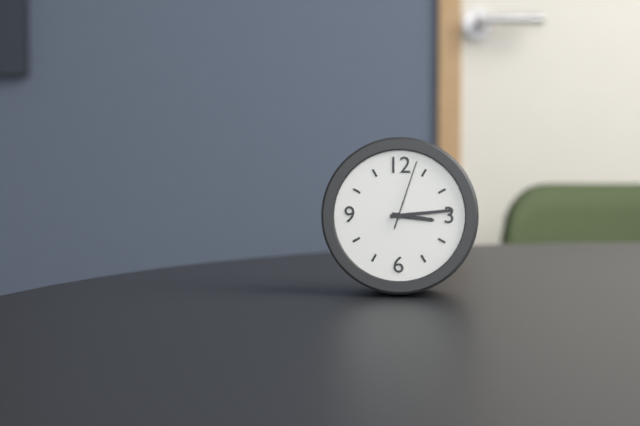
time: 3:14:03
